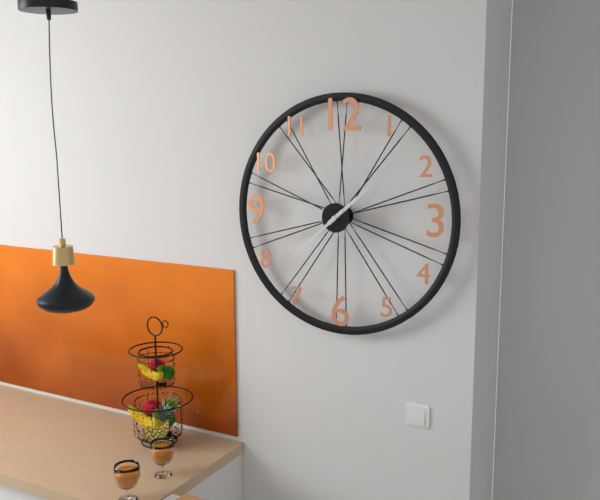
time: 1:38
